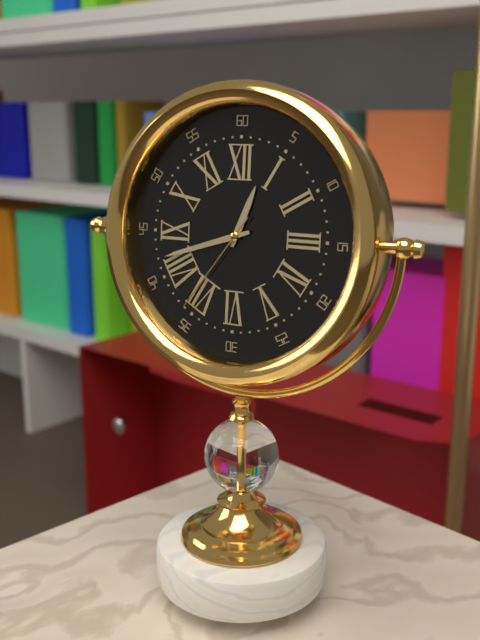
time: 12:42:36
